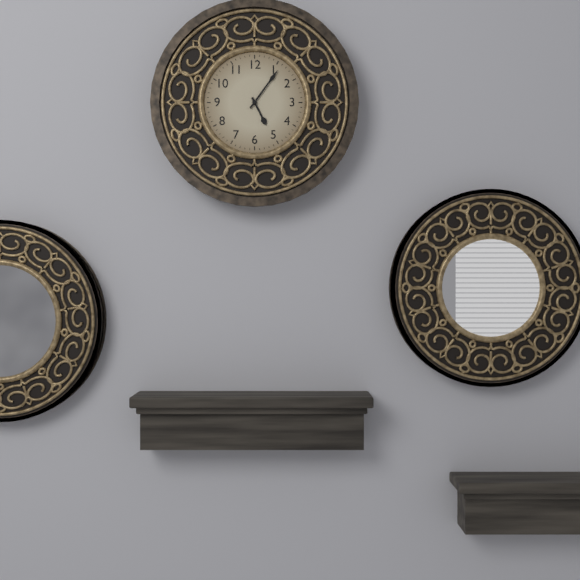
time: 5:06
